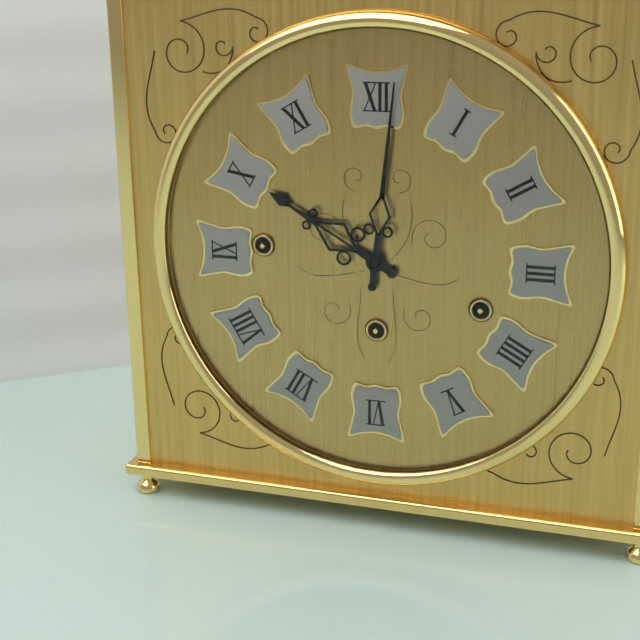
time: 10:01
